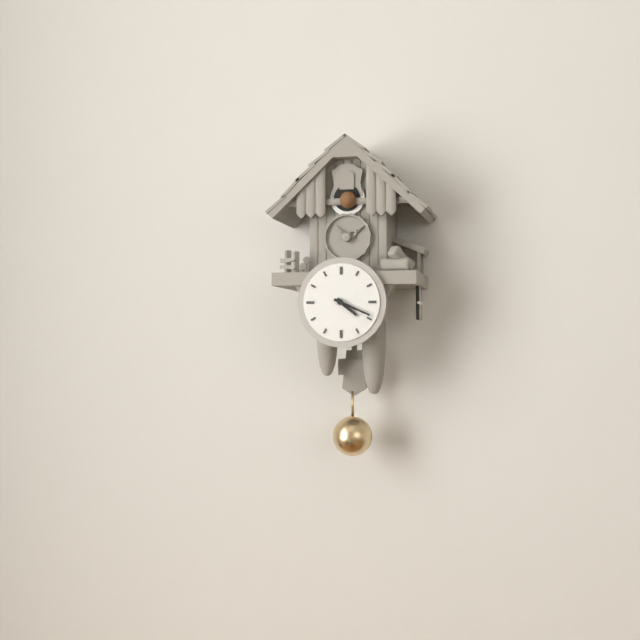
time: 4:19
